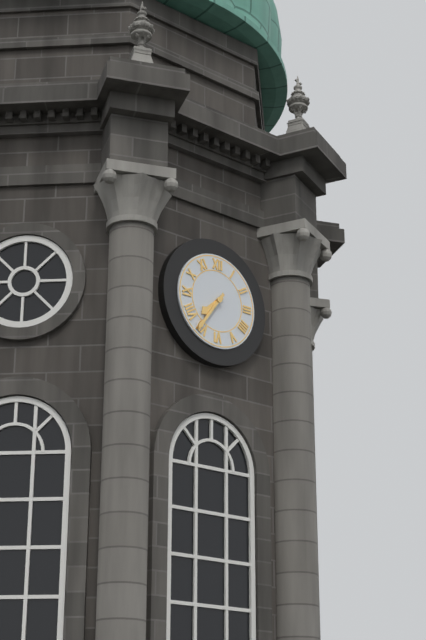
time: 7:36
